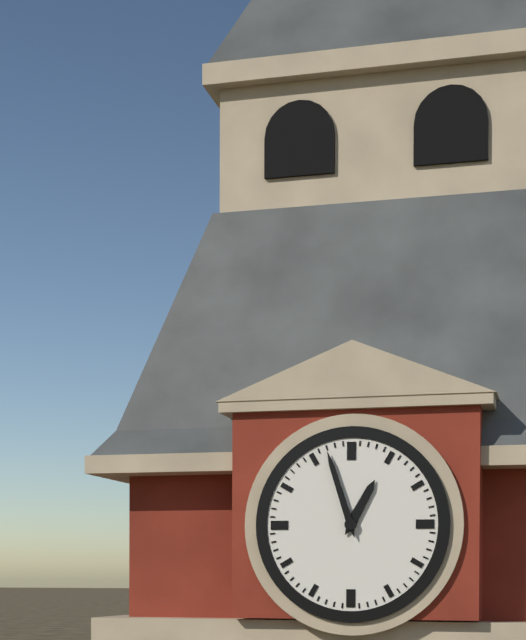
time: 12:57
